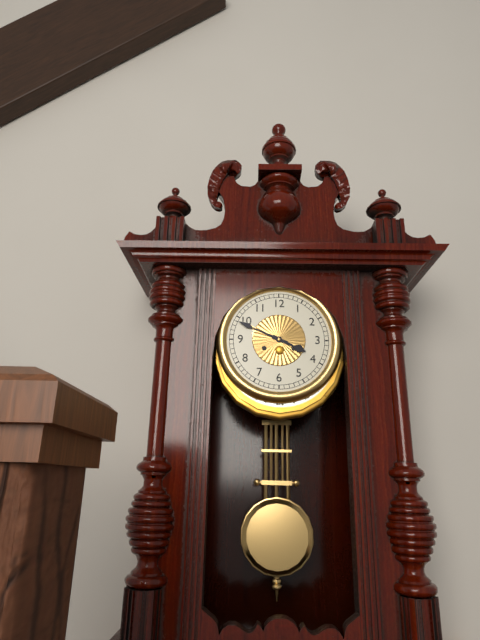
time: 3:49
